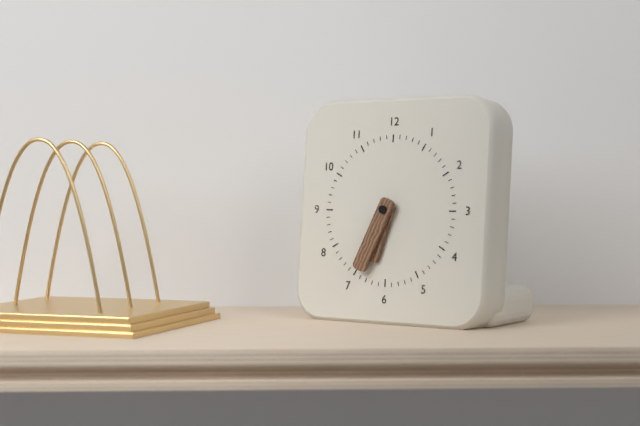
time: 6:34
